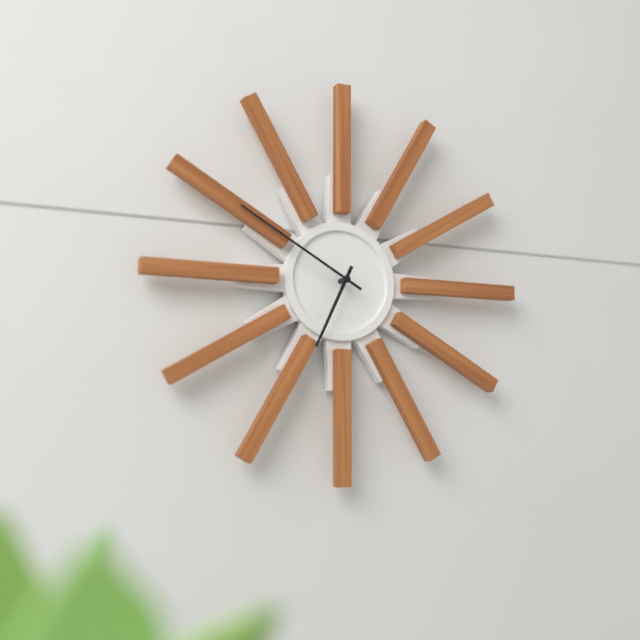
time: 6:50
